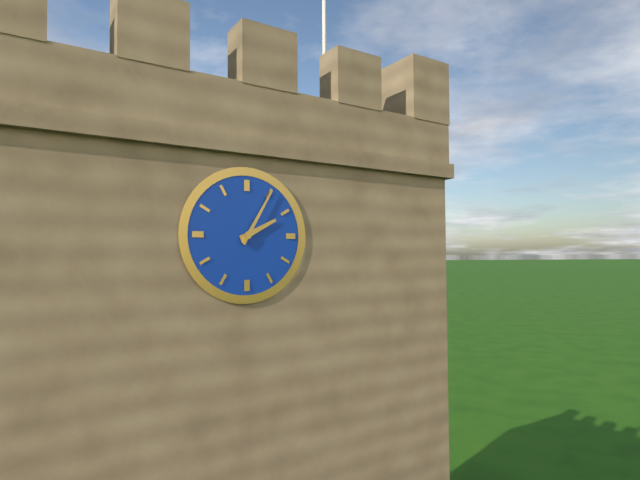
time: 2:05
